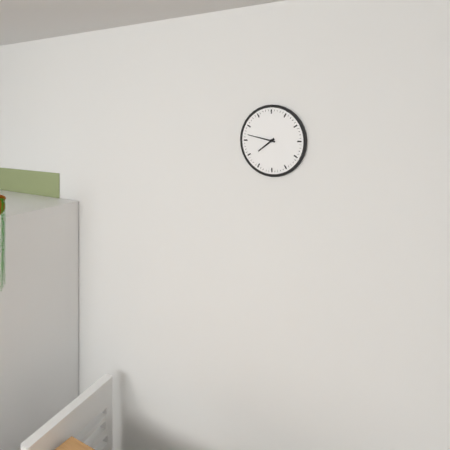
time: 7:47
